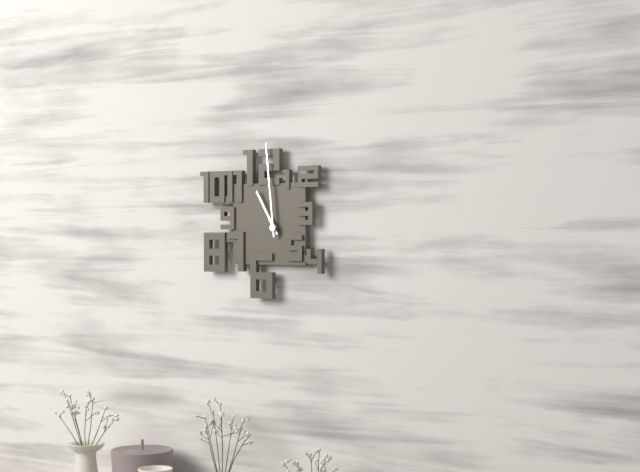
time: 10:59
